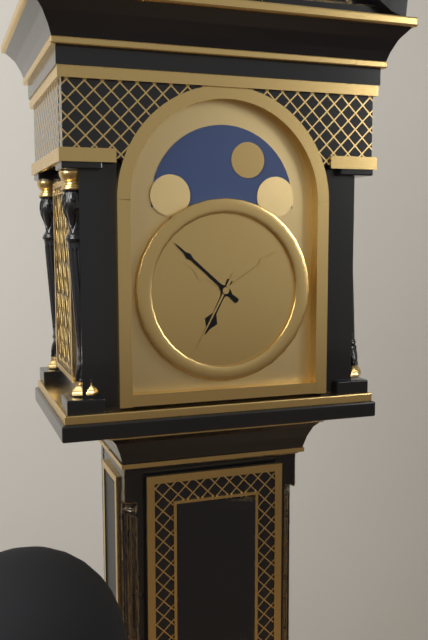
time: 6:52
